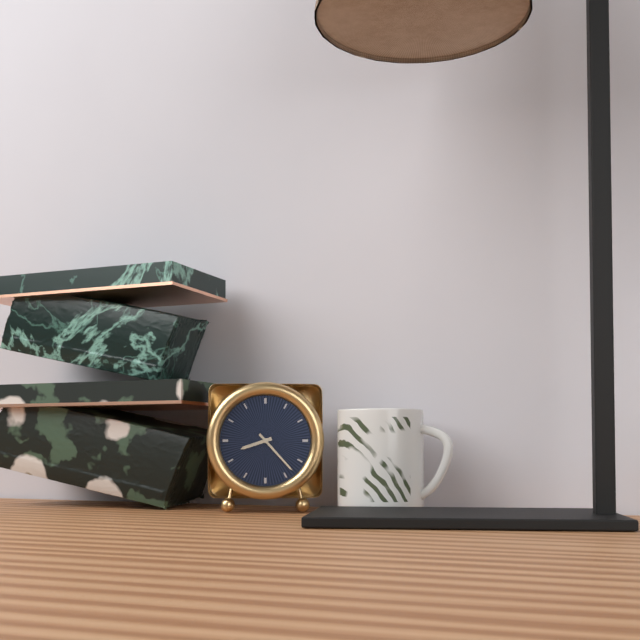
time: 8:23
